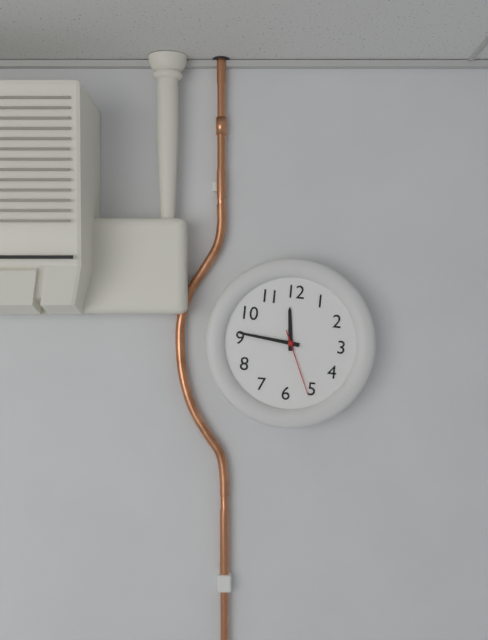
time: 11:46:26
